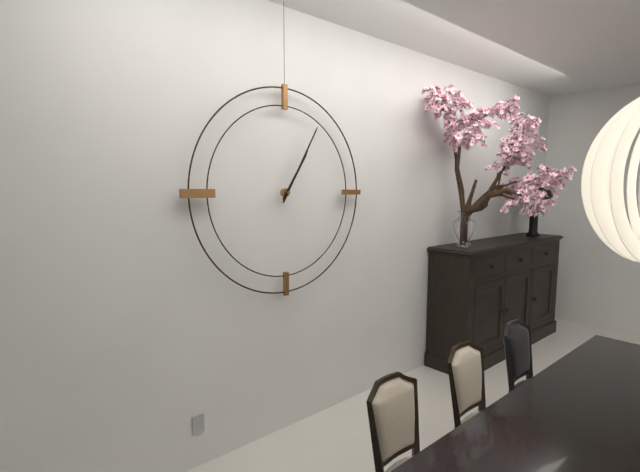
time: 1:05
